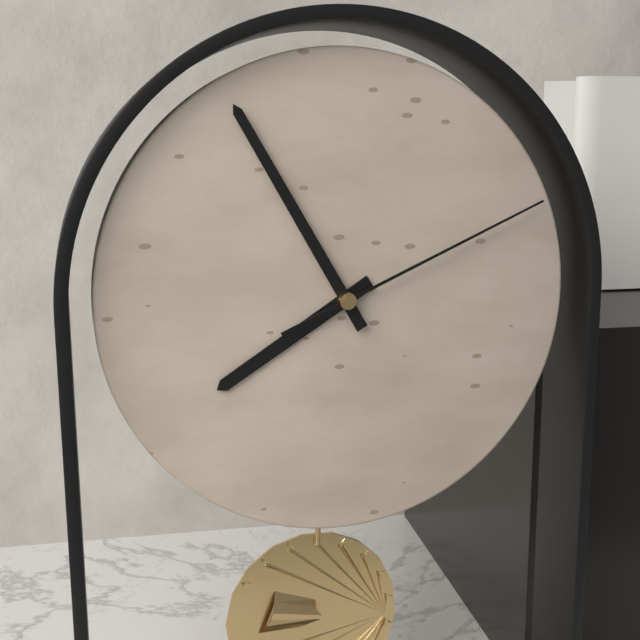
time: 7:55:11
